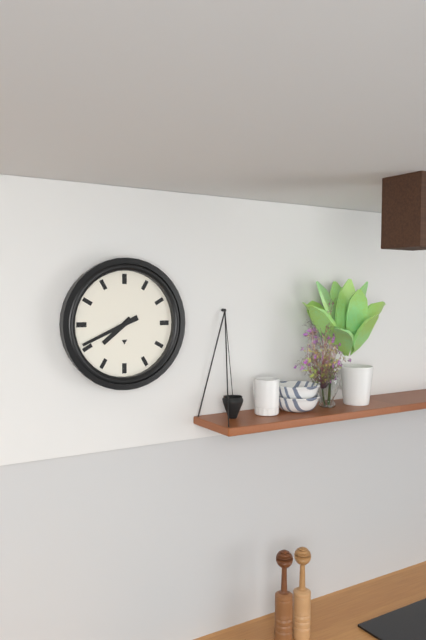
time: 7:41
